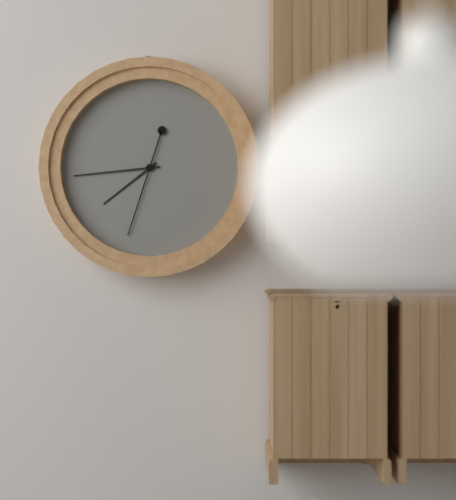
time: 7:44:33
